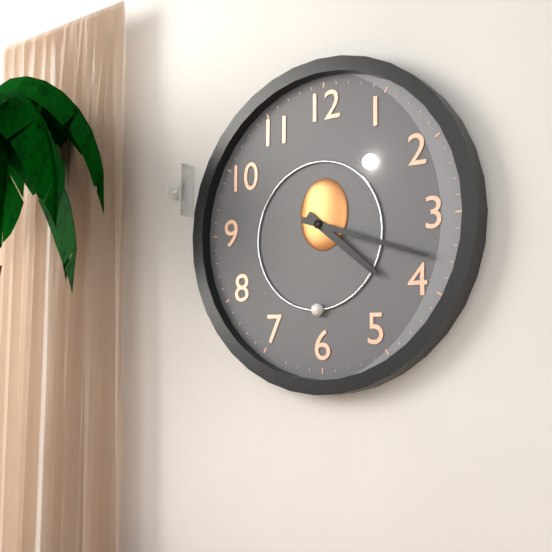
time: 4:18
